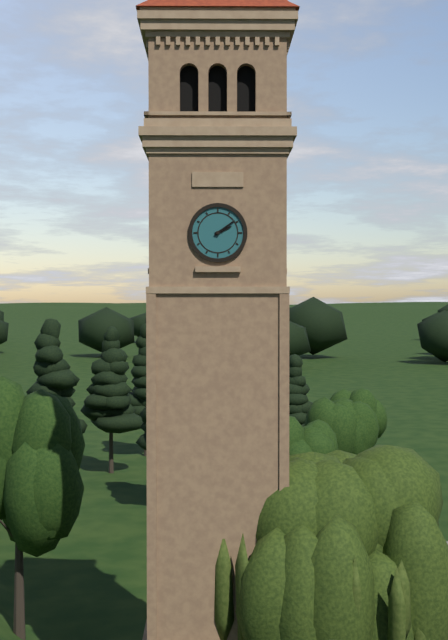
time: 2:09
